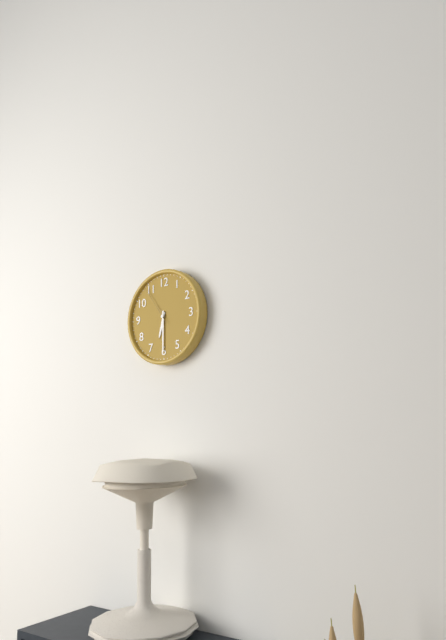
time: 6:30
